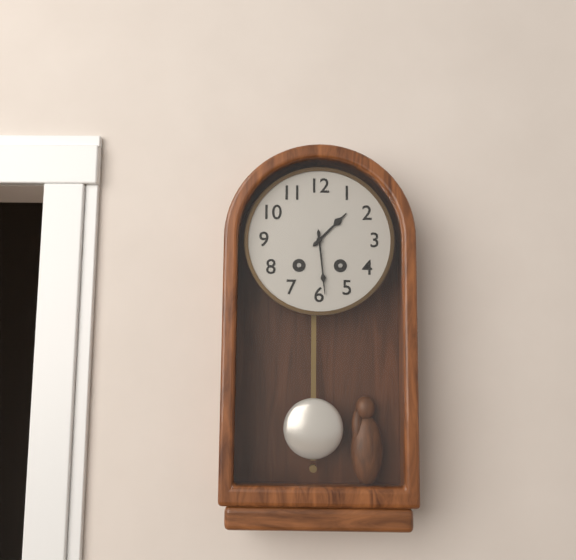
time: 1:29
